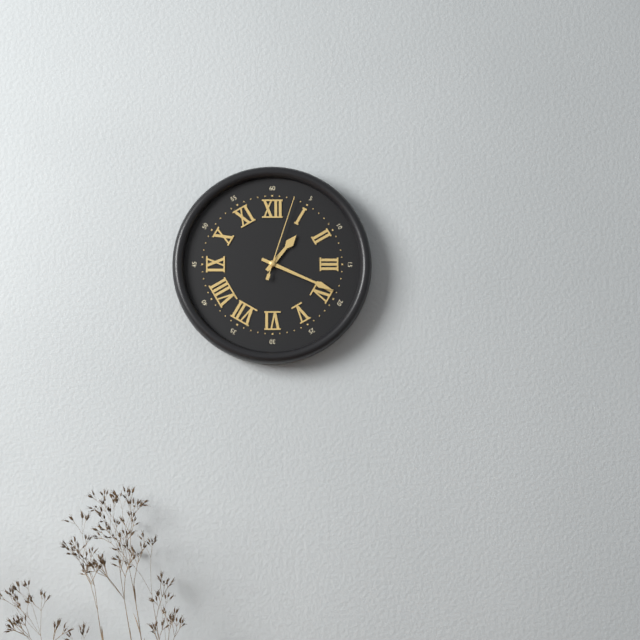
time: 1:19:03
